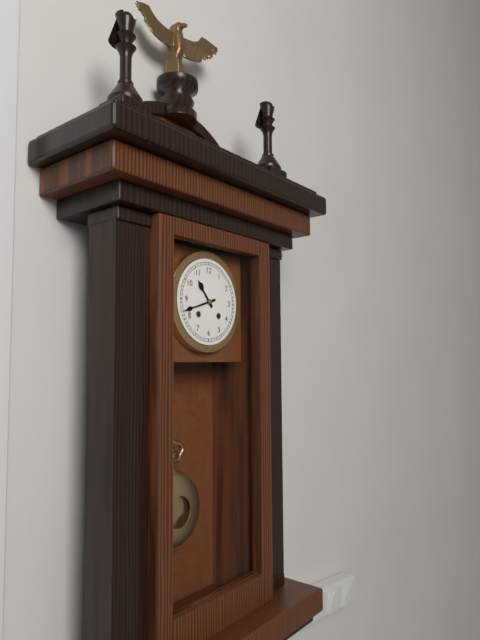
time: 10:42
